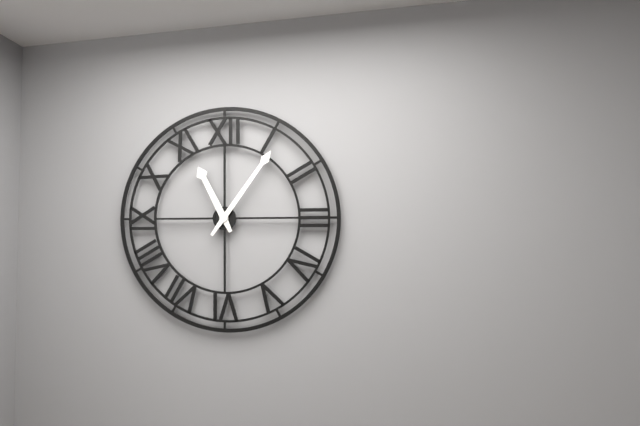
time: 11:06
